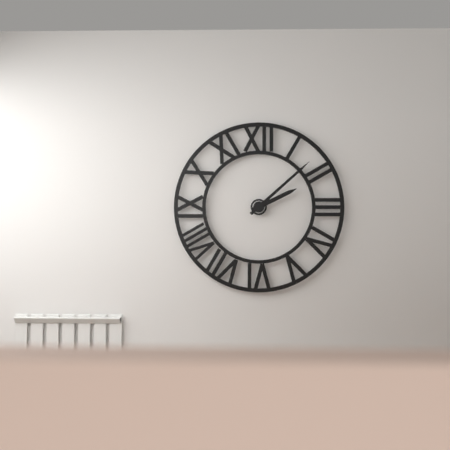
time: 2:08
